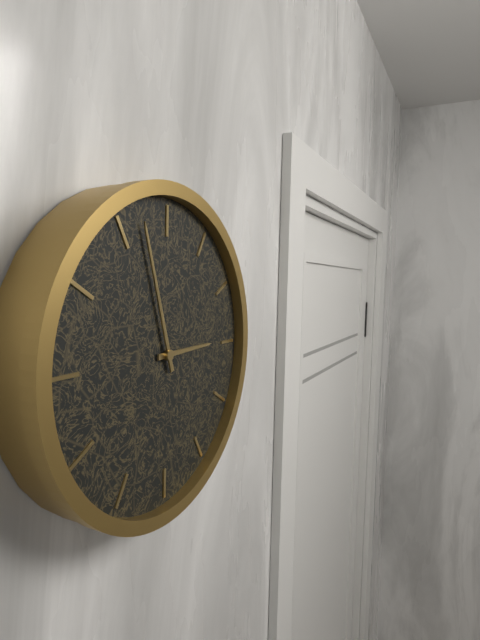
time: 2:57
